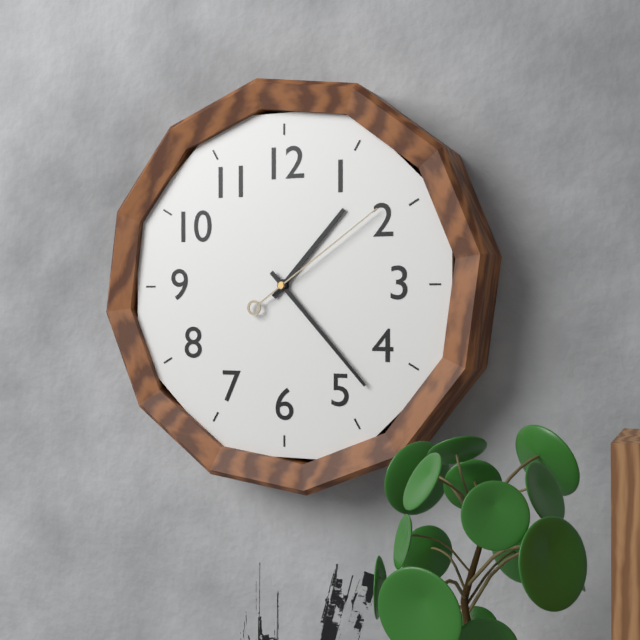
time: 1:23:09
